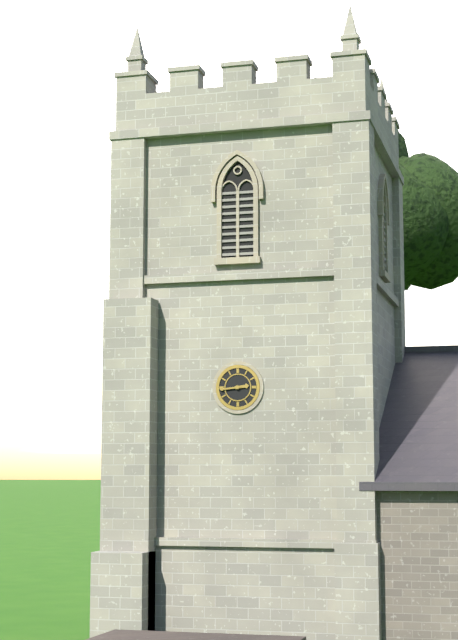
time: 2:44
